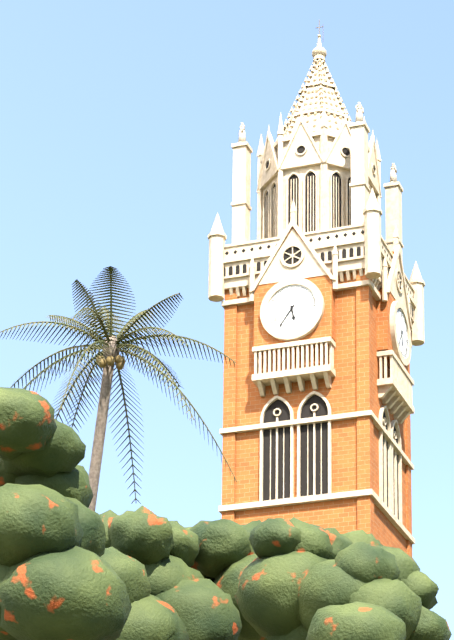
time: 5:36
